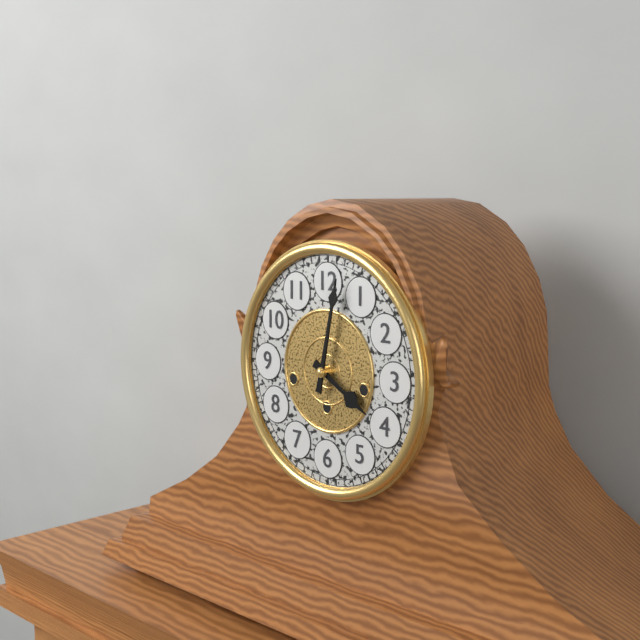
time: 4:02
